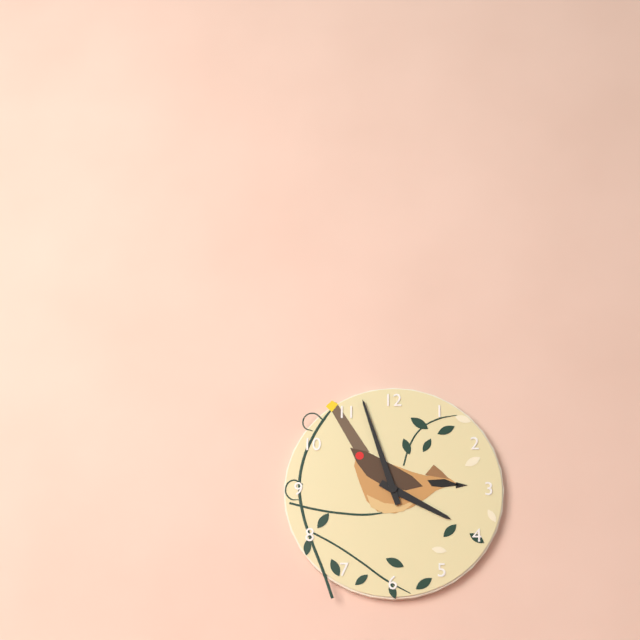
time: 3:57
